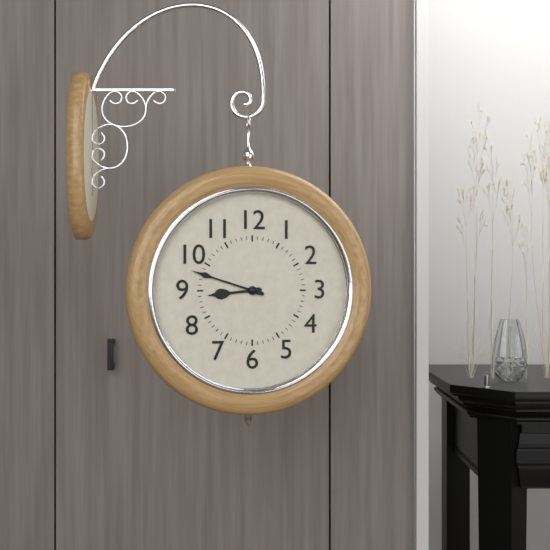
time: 8:48
